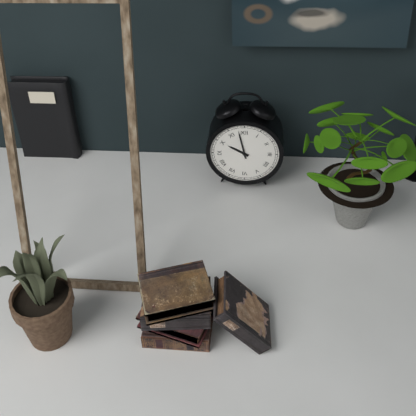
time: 9:58
